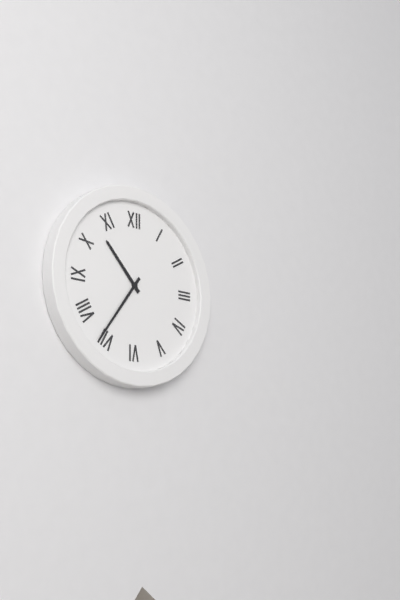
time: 10:36
